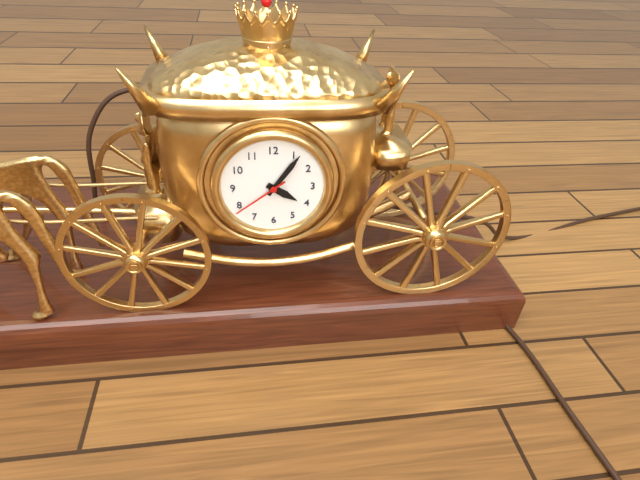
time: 4:06:39
